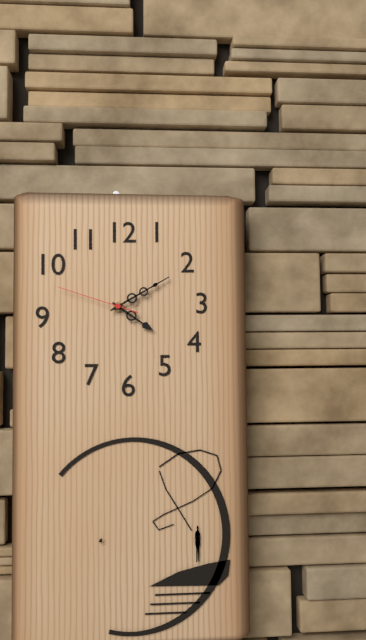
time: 4:10:48
